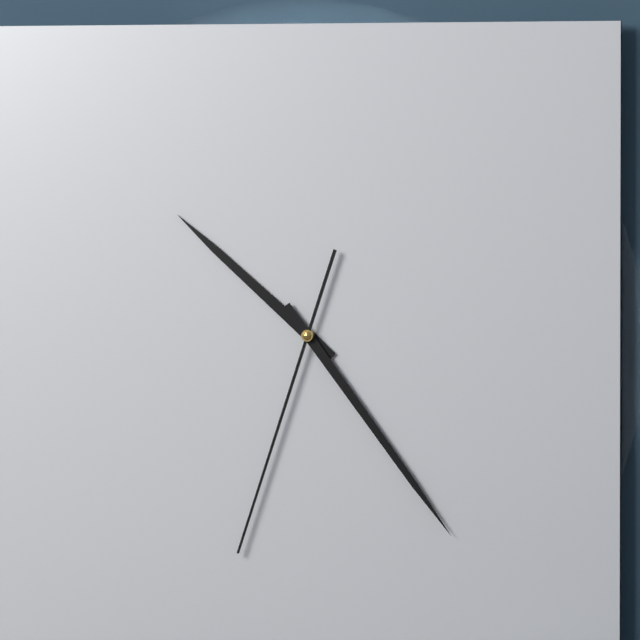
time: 10:24:33
